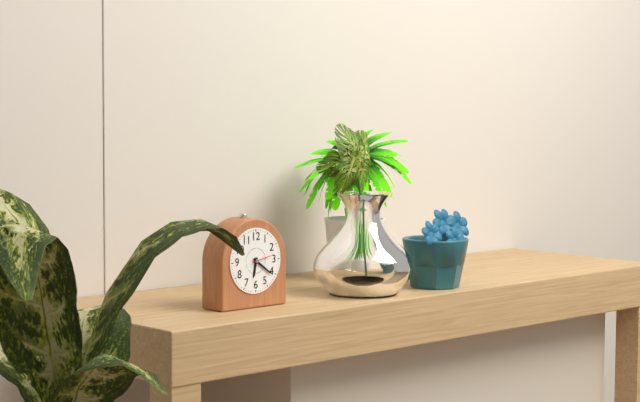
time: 6:21
